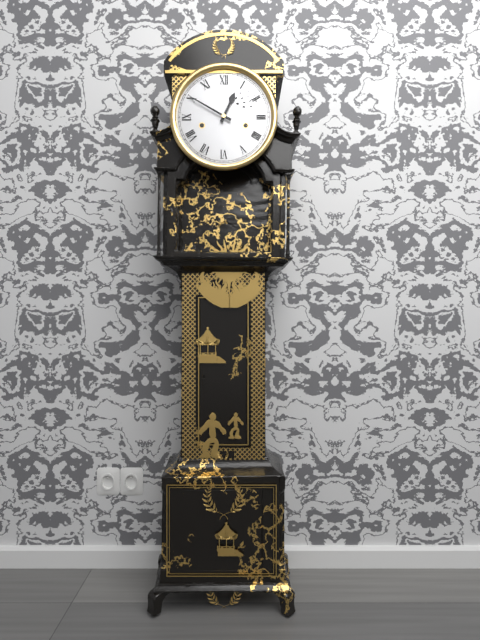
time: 12:50
